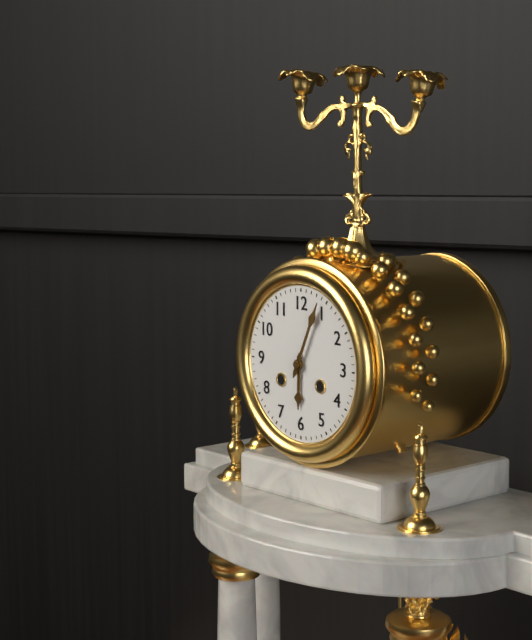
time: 6:04
